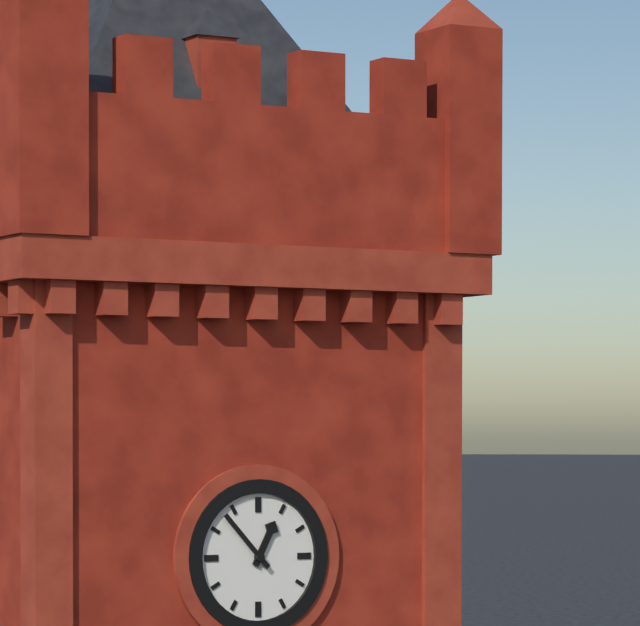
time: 12:53
